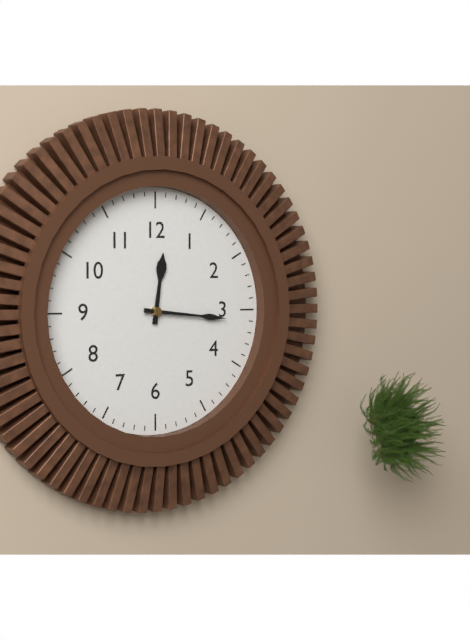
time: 12:16
